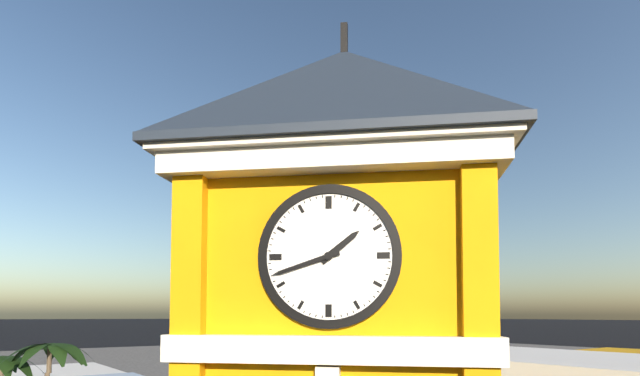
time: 1:42
